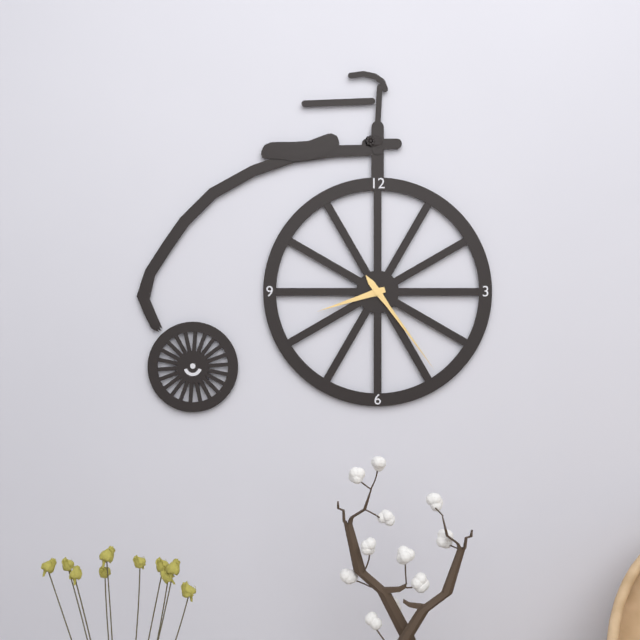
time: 8:24
